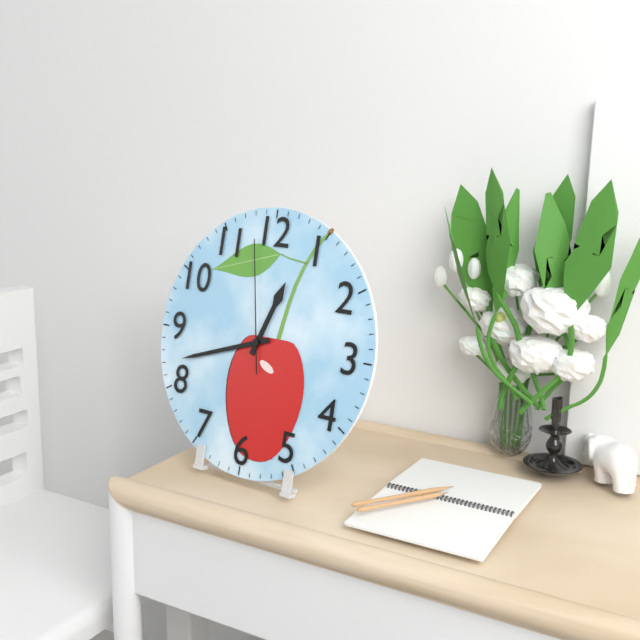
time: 12:42:58
